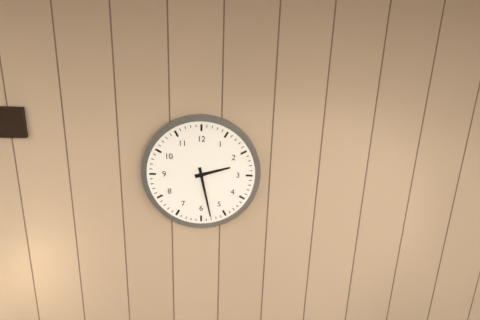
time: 2:28
